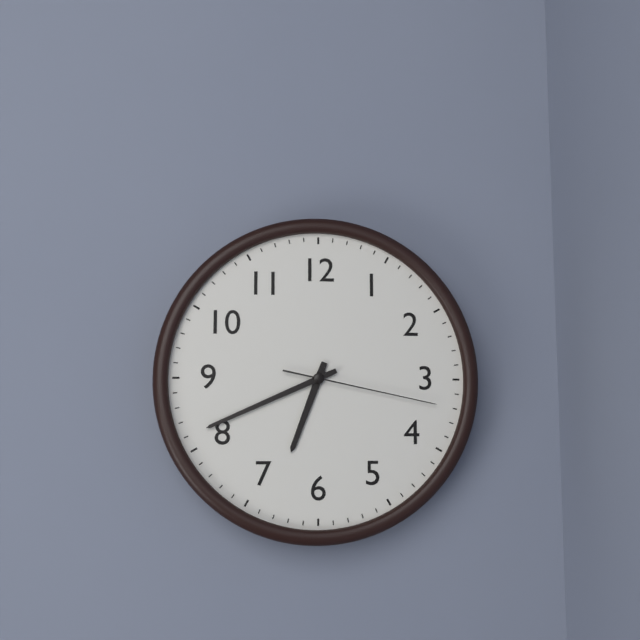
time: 6:41:17
